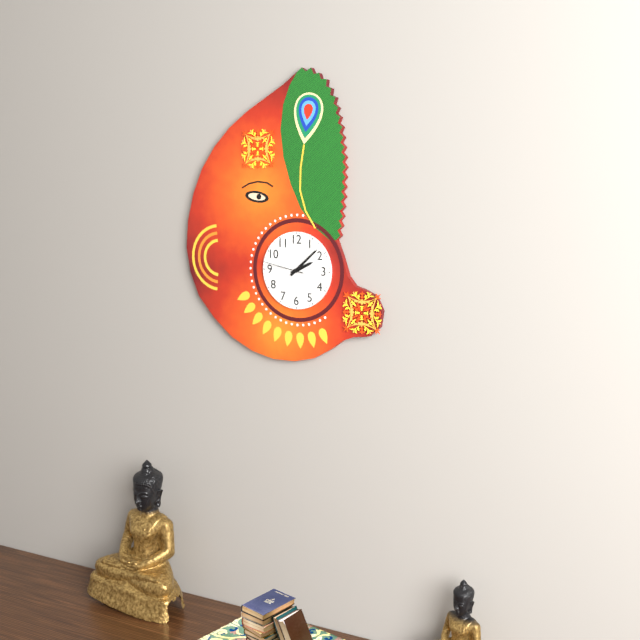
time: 2:08
